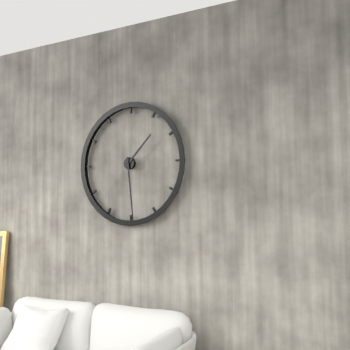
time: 1:29
